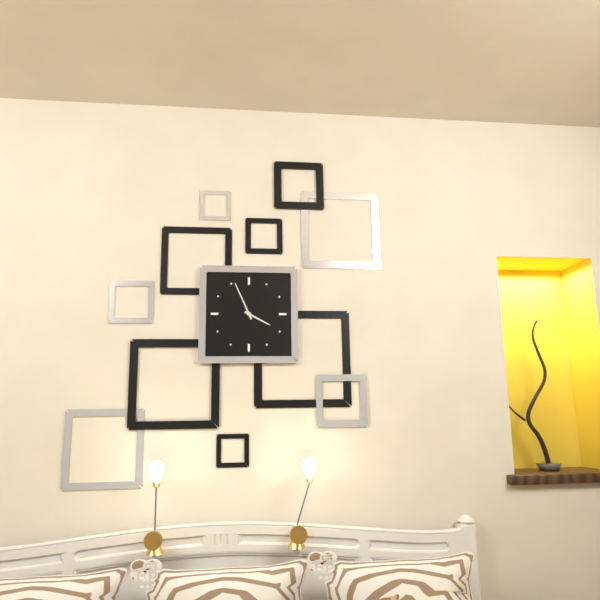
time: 3:56
